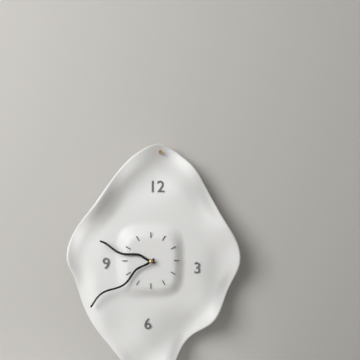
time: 9:39
